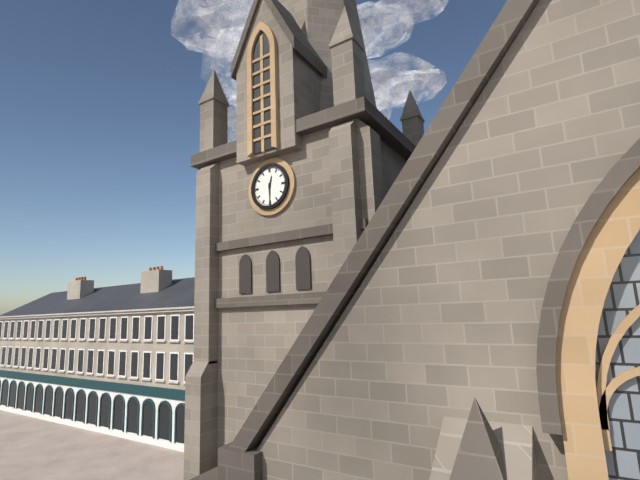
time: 12:30
